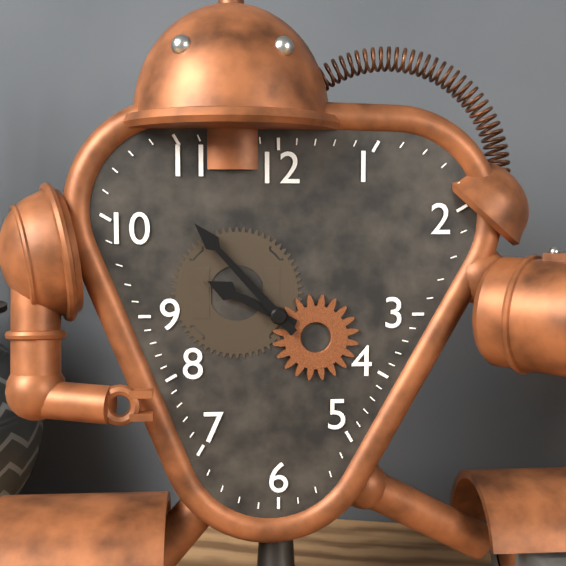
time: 9:53
